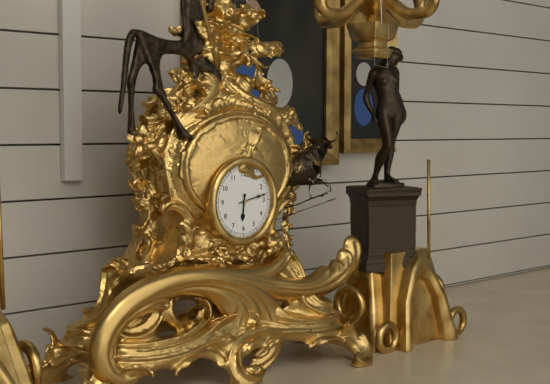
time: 6:13
